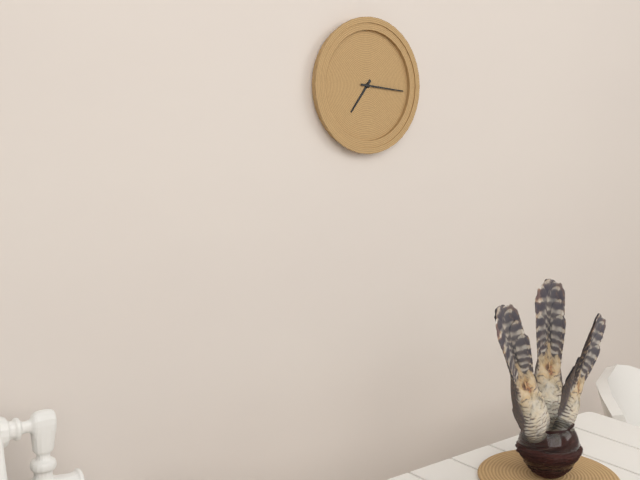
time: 7:16
